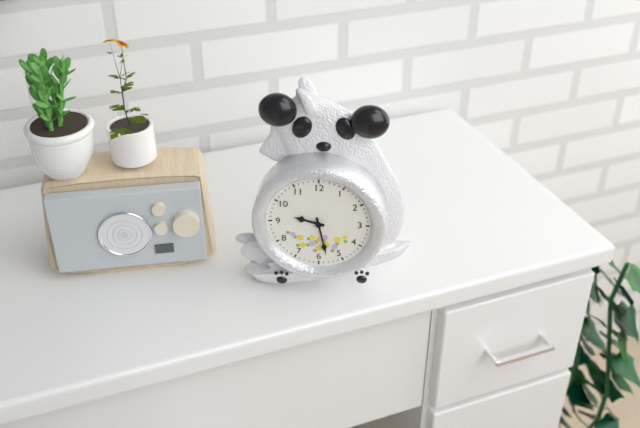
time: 9:28
